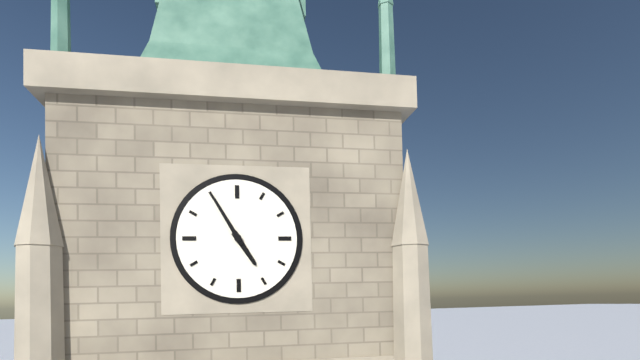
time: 4:55
